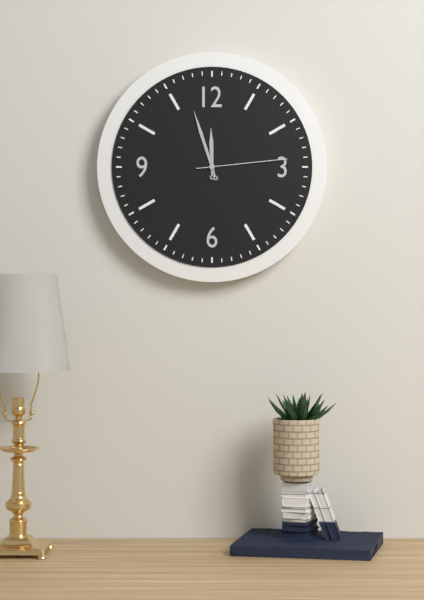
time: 11:57:14
